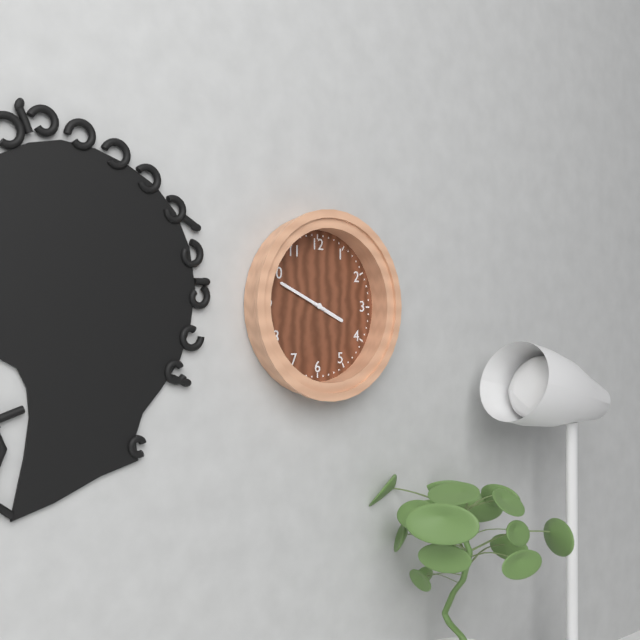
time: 3:49
